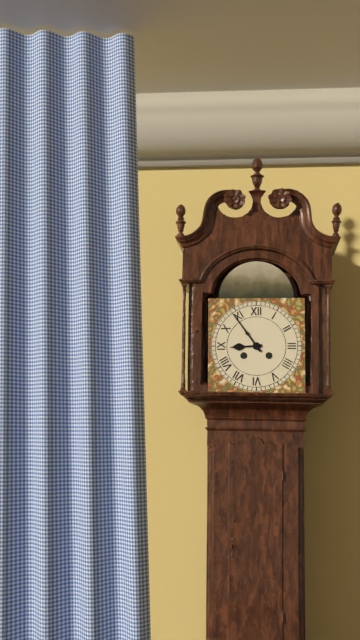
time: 8:54
